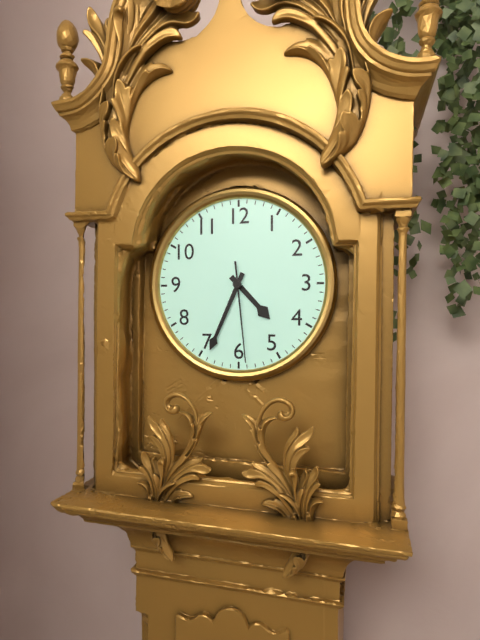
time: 4:34:29
